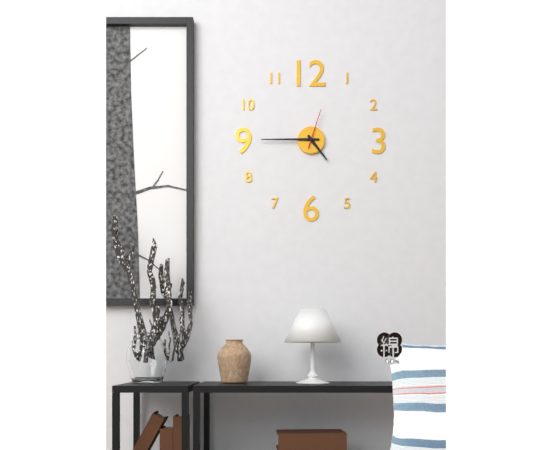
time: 4:45
